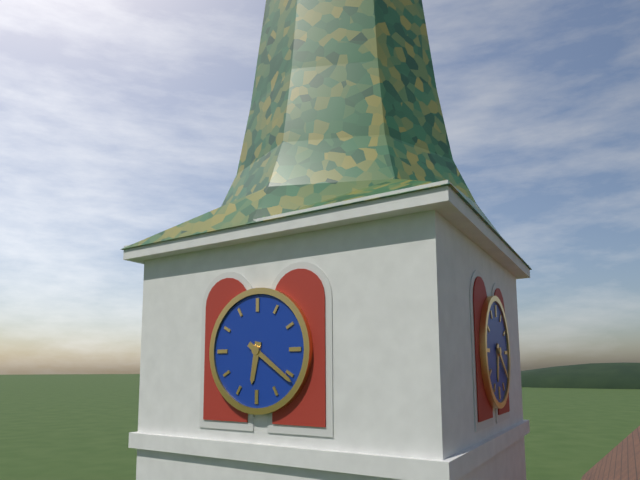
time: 6:21
